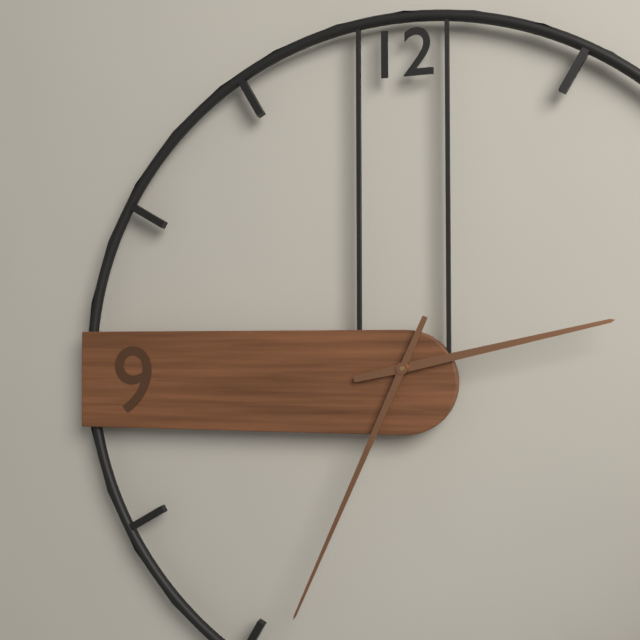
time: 2:34
